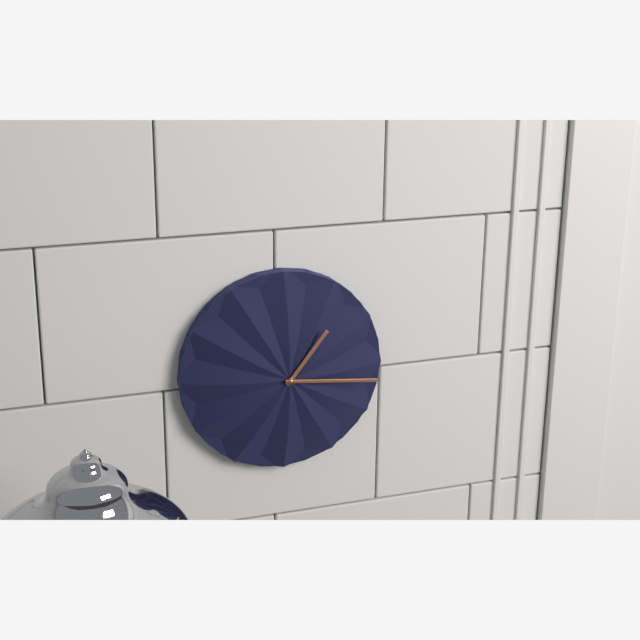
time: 1:16
